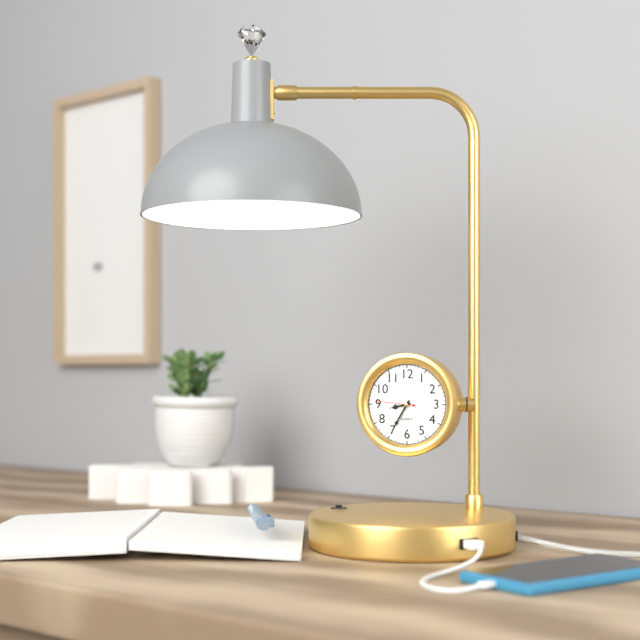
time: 8:35
